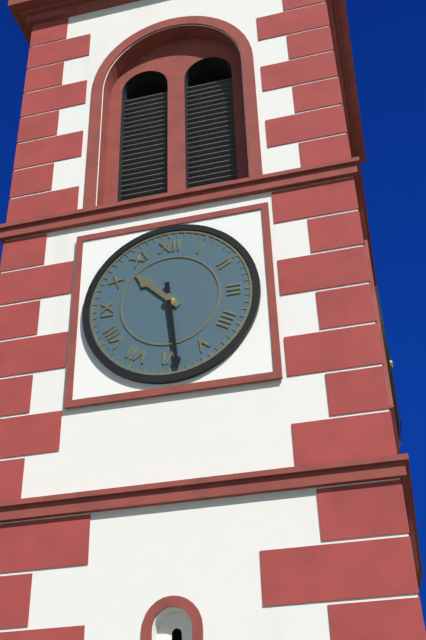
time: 10:29
